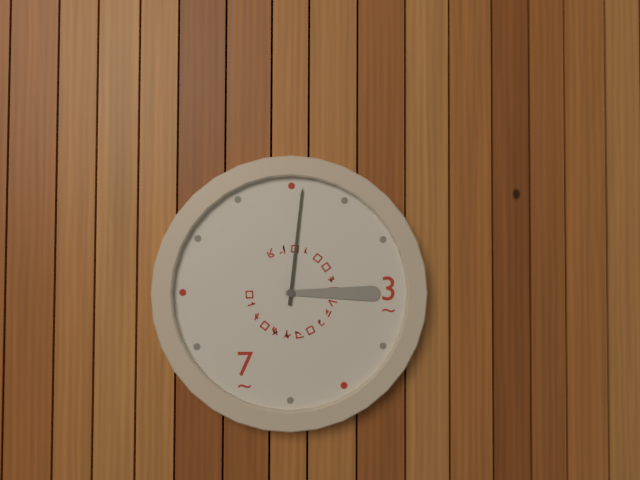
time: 3:01
